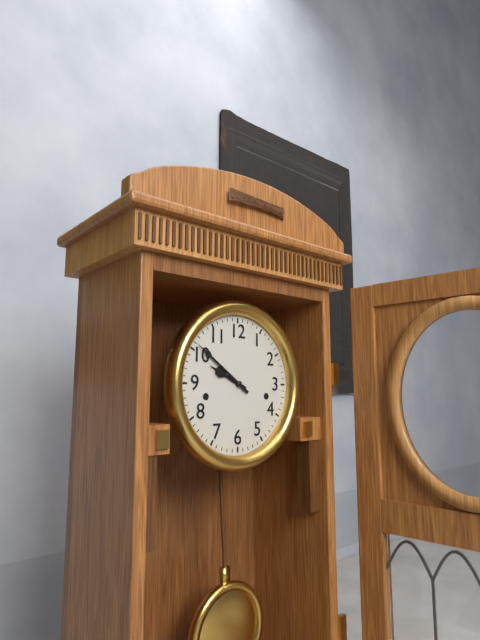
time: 9:51
